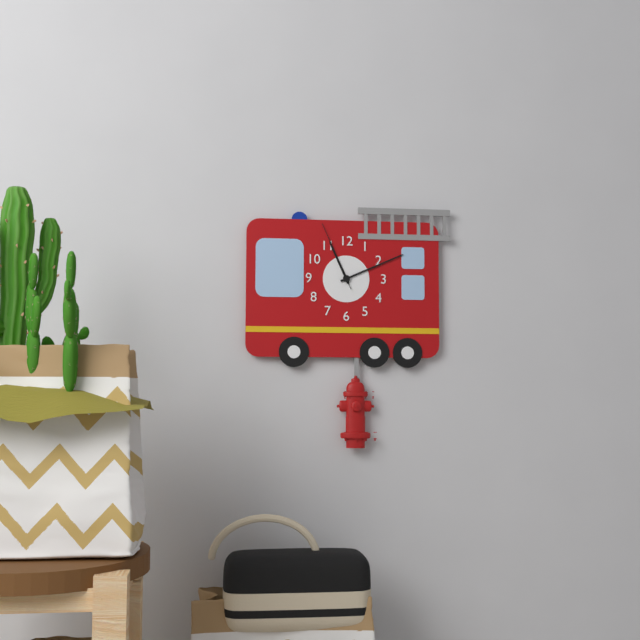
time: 11:11:56
